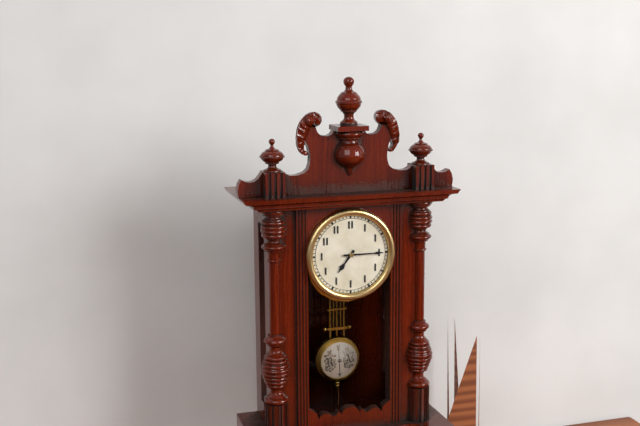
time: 7:15
